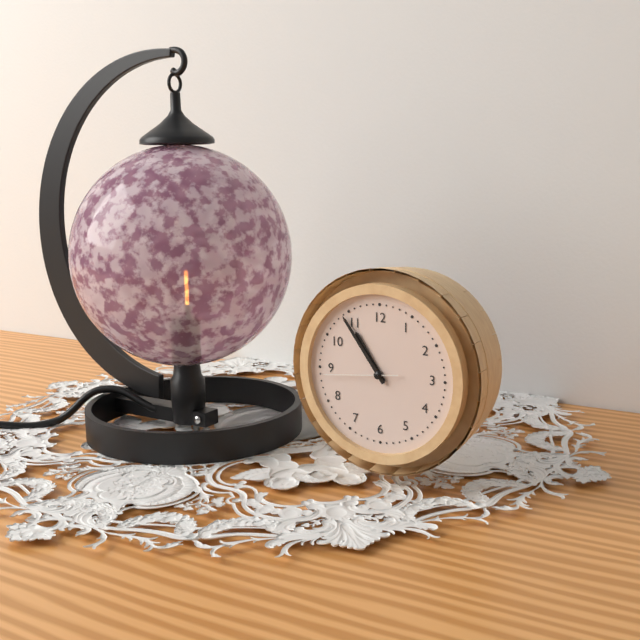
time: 10:54:44
